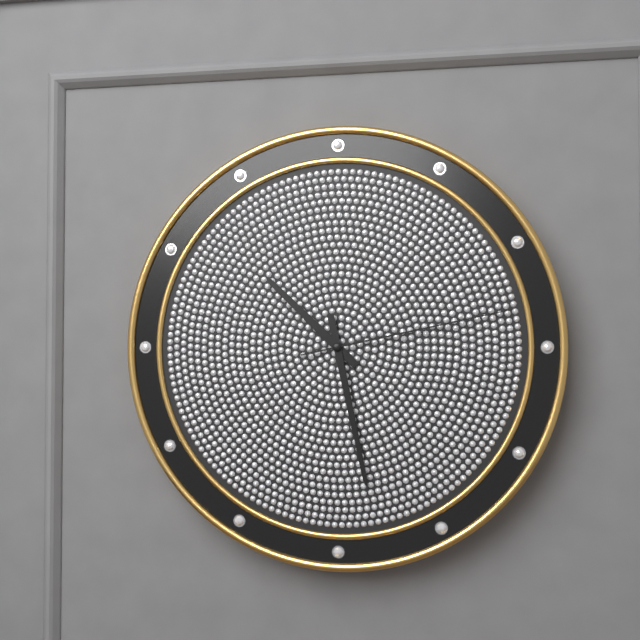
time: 10:28:13
